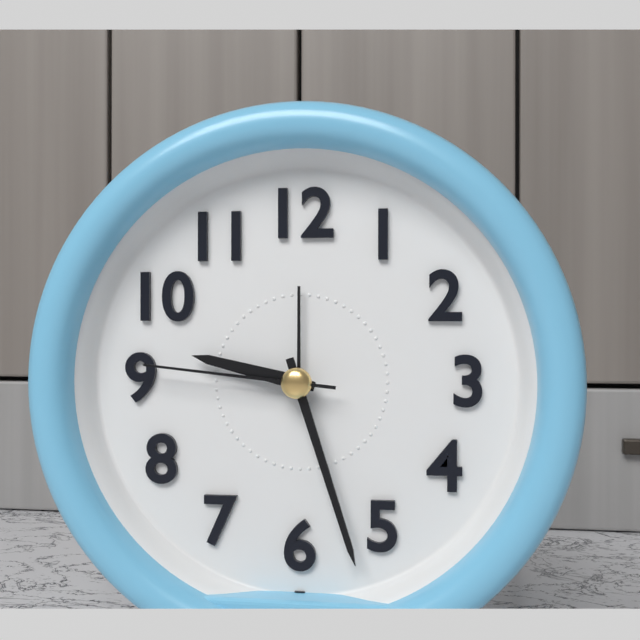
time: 9:27:46
